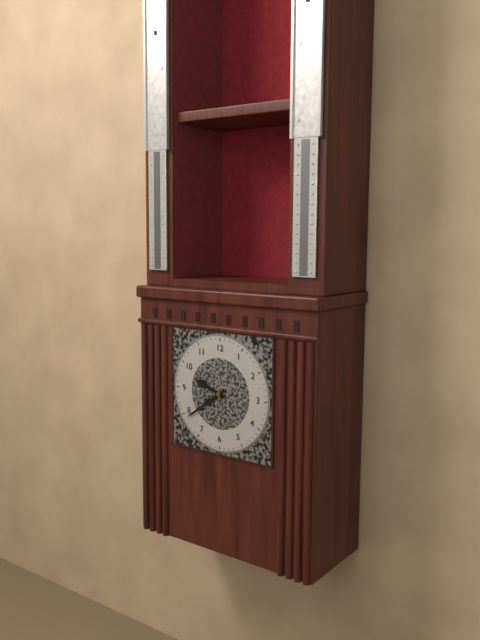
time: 9:39
